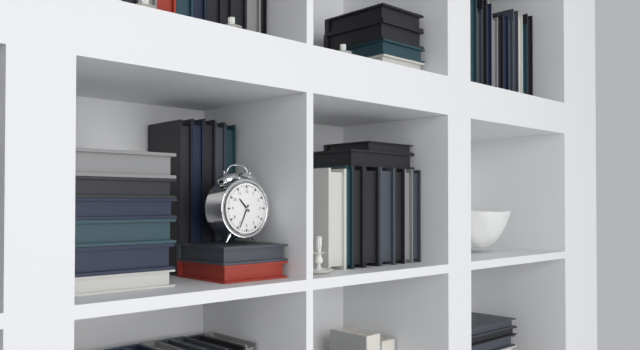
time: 10:34
